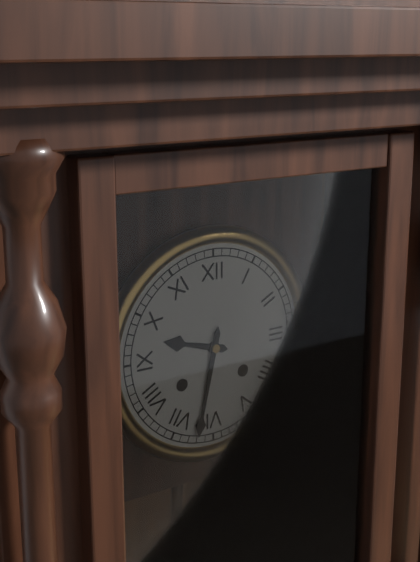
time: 9:32
